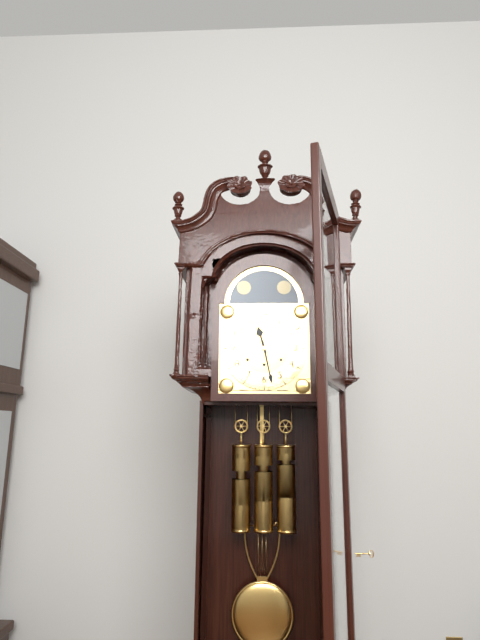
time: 11:28
